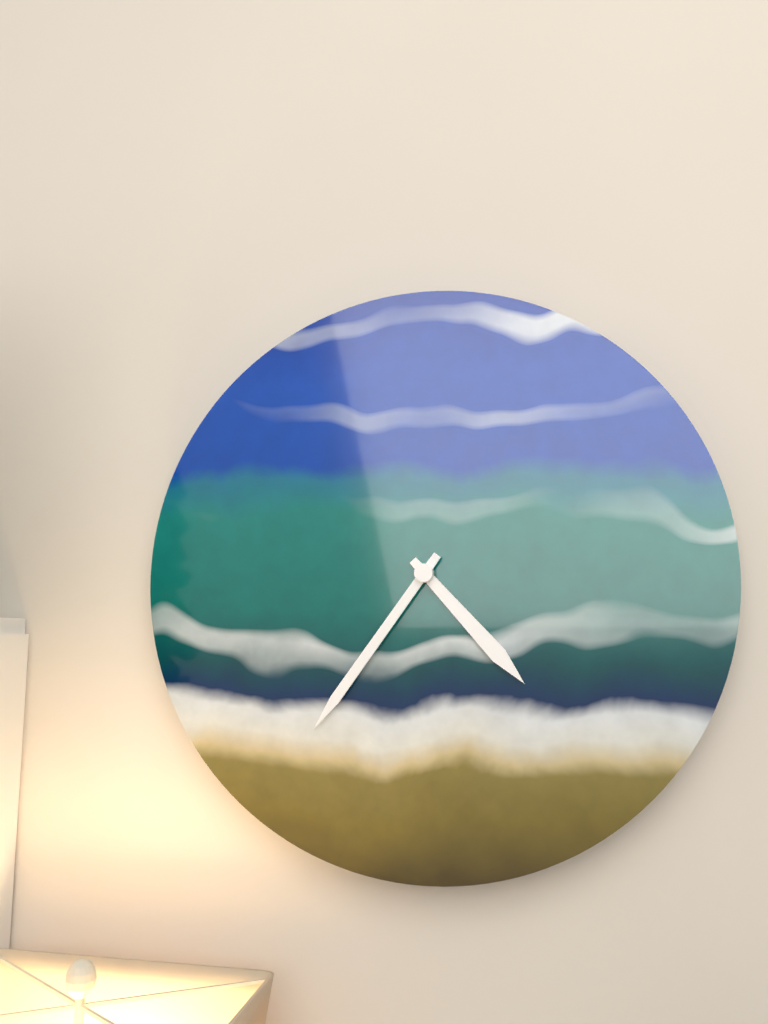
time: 4:36
